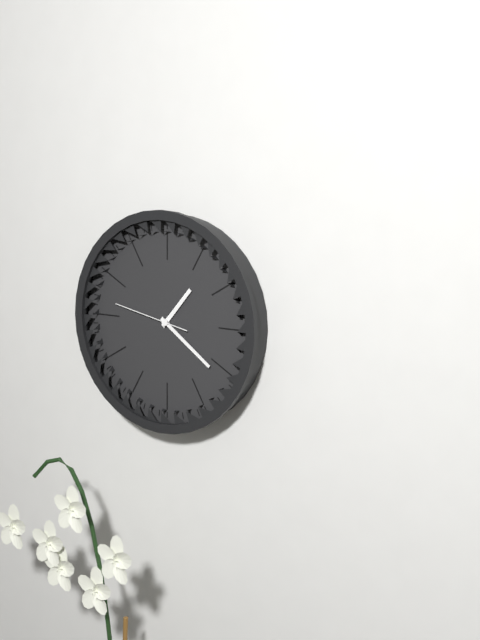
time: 1:21:47
